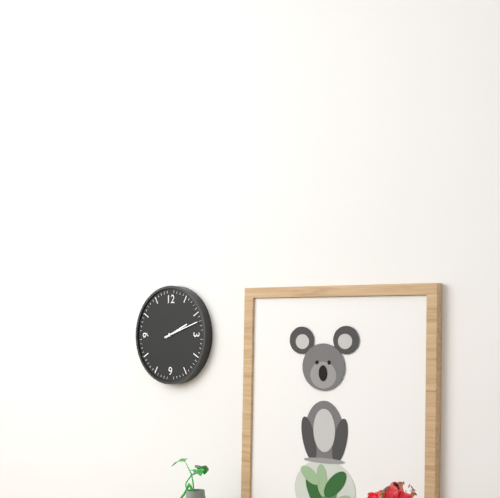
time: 2:12
